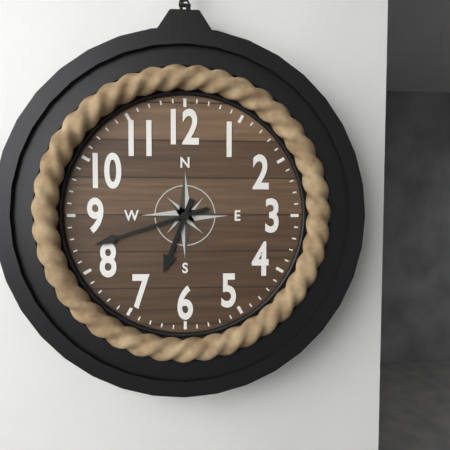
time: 6:42
